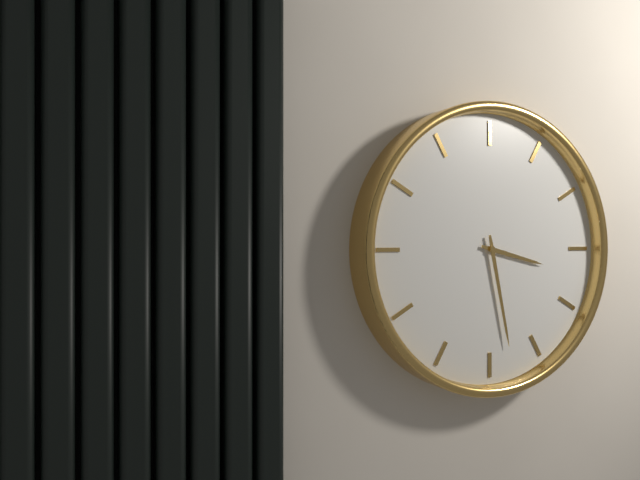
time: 3:28
